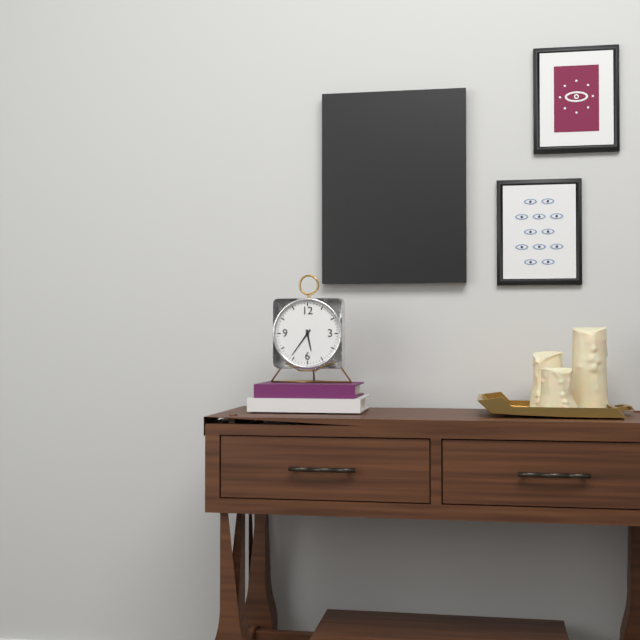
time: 5:36
